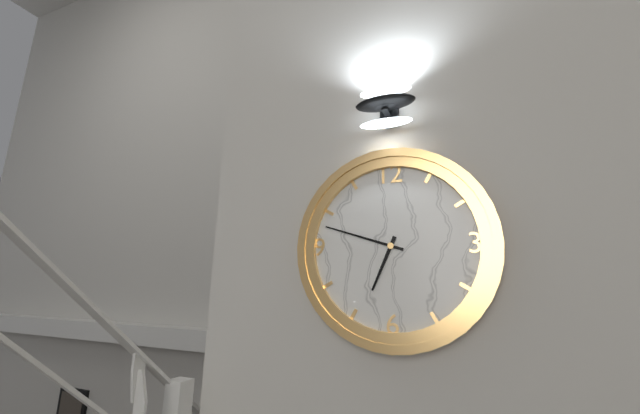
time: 6:48
